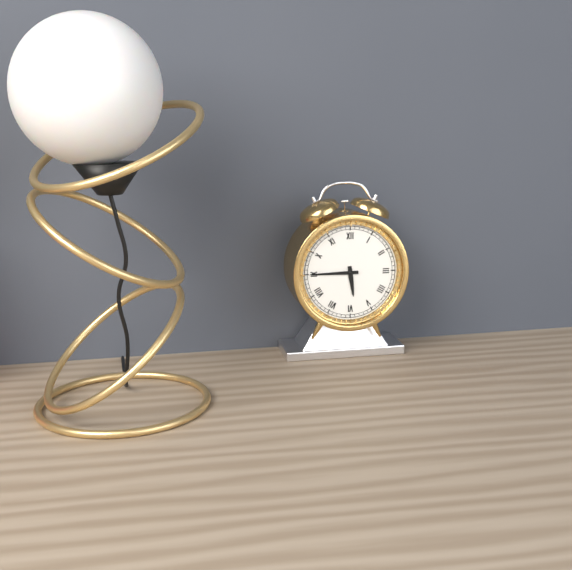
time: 5:45
